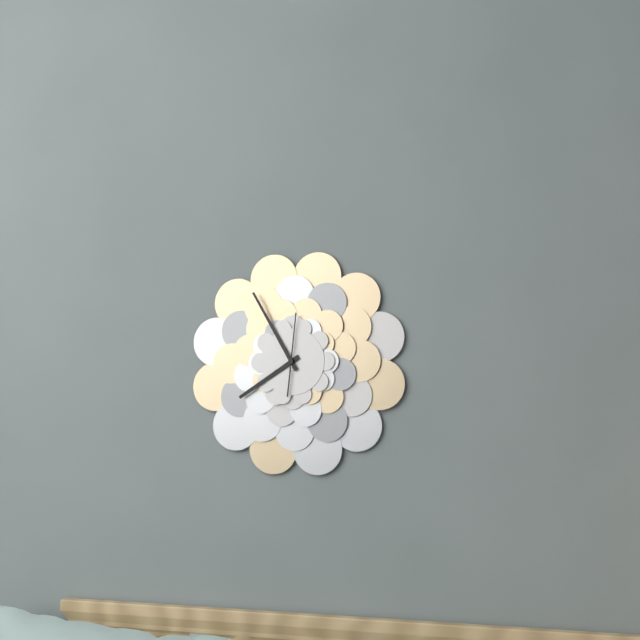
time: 7:55:01
